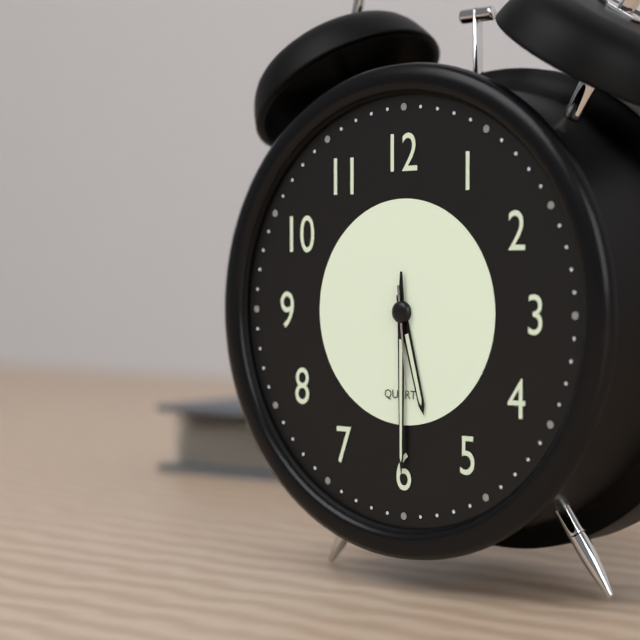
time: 5:30:29
